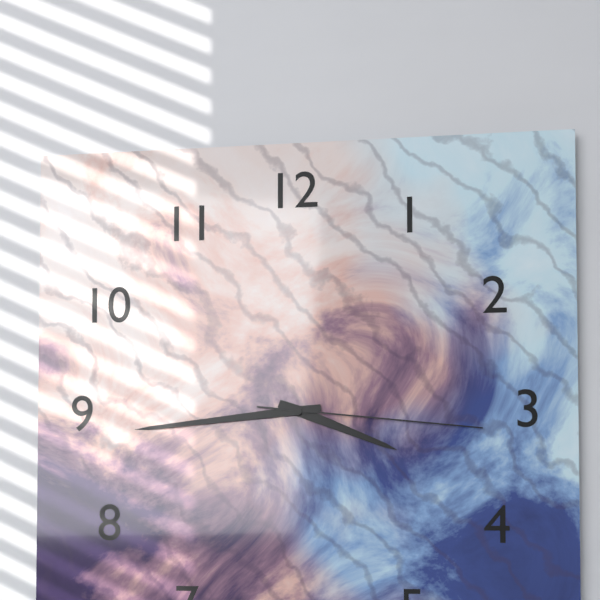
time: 3:44:16
